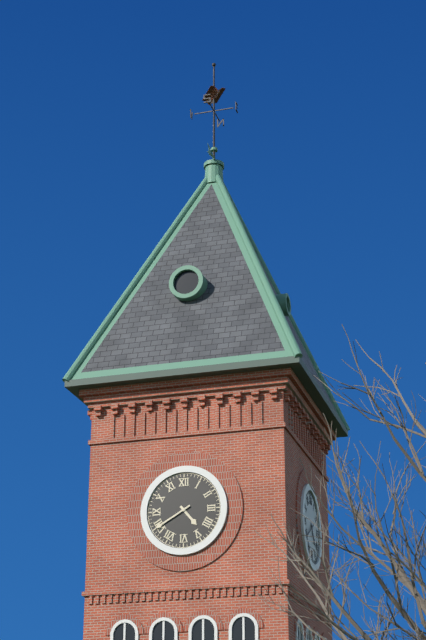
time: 4:40
